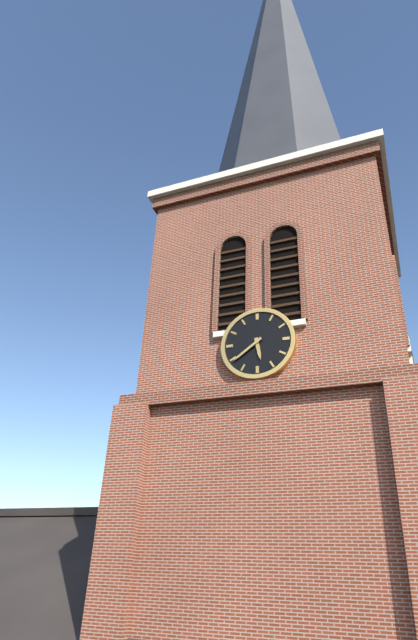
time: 5:39
